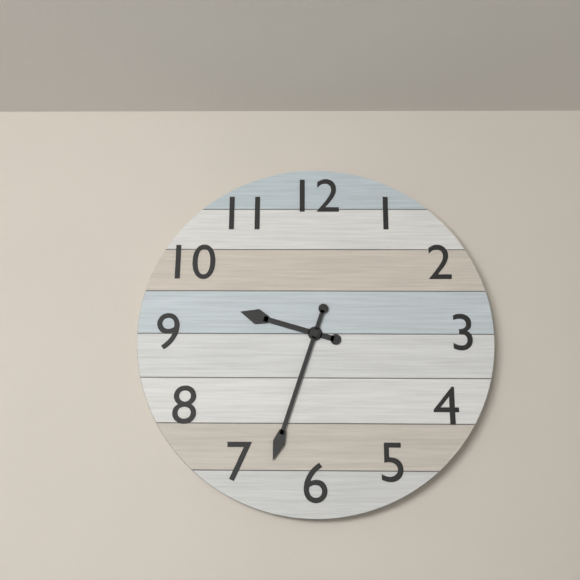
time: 9:33
